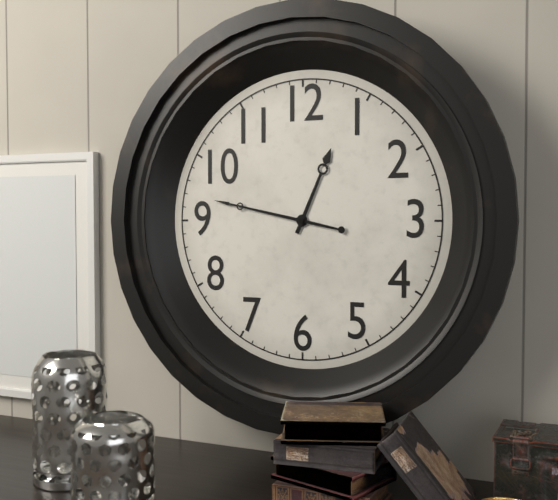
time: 12:47
